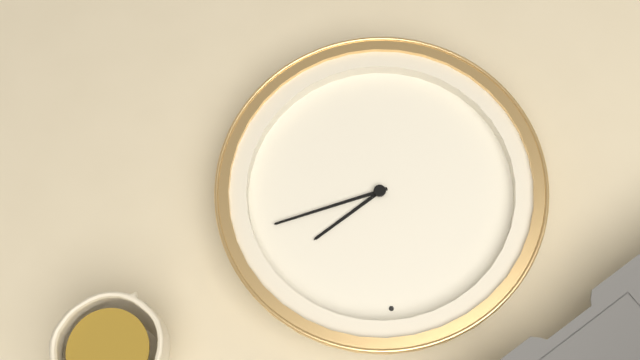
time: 1:09
